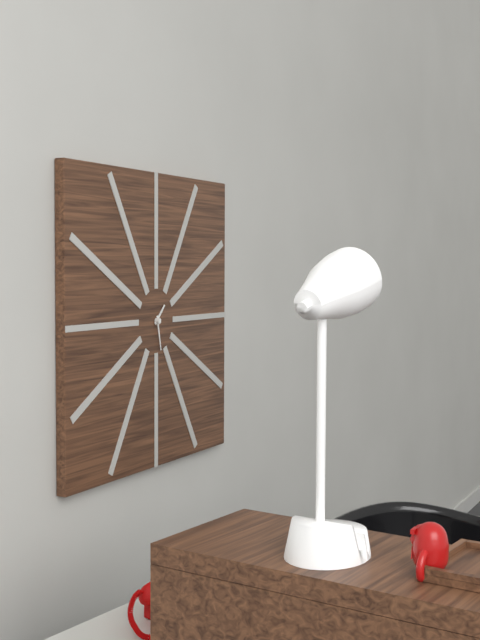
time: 1:28
